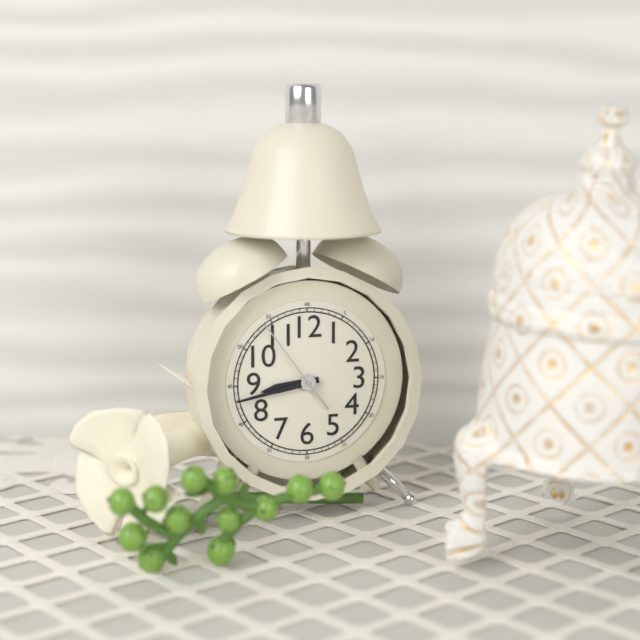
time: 8:43:54
